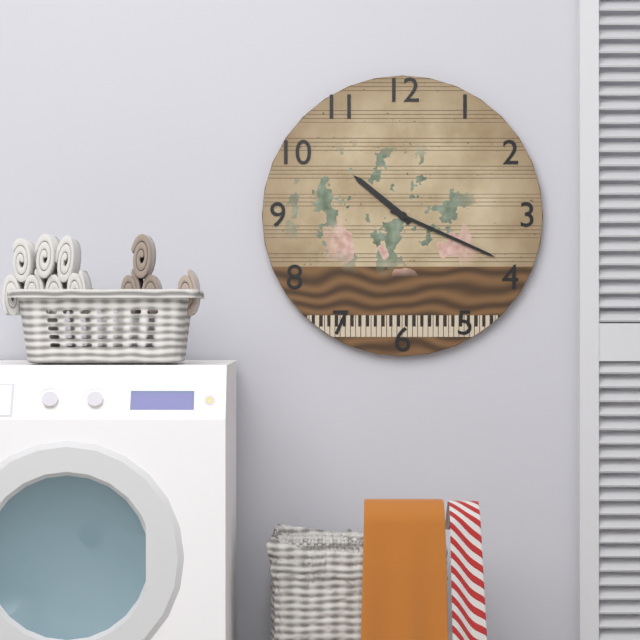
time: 10:19
